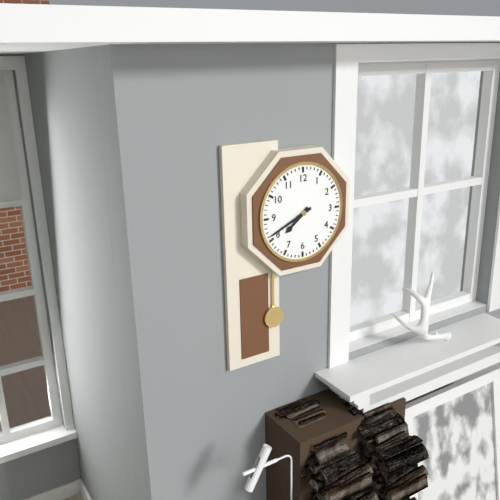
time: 7:41
